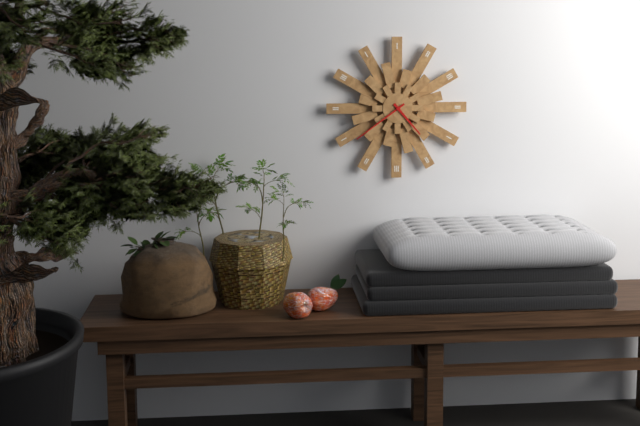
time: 4:39
